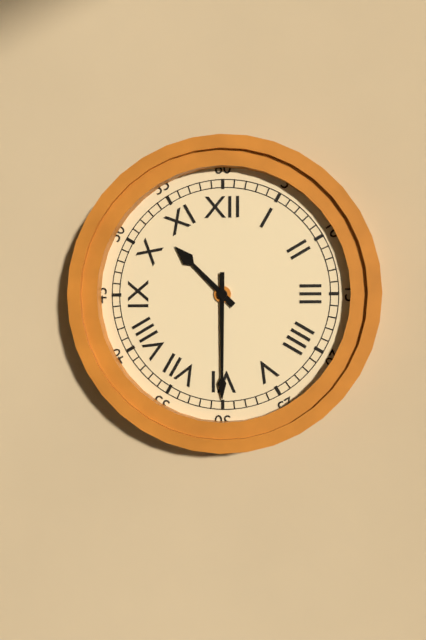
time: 10:30
